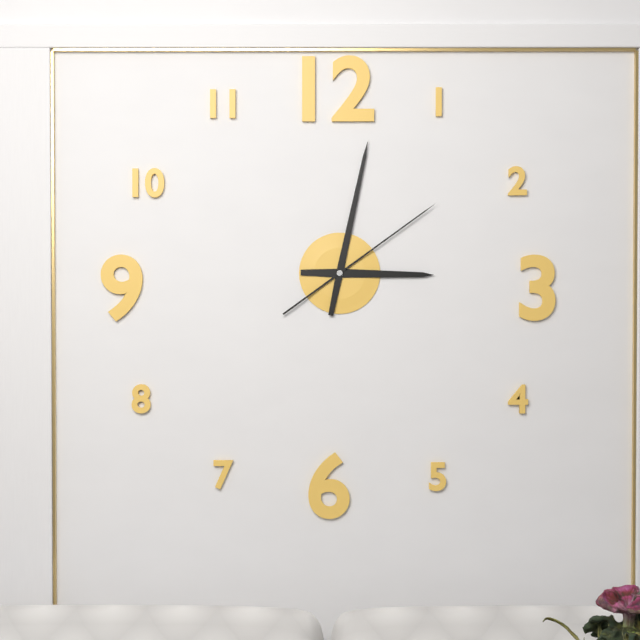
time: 3:02:09
